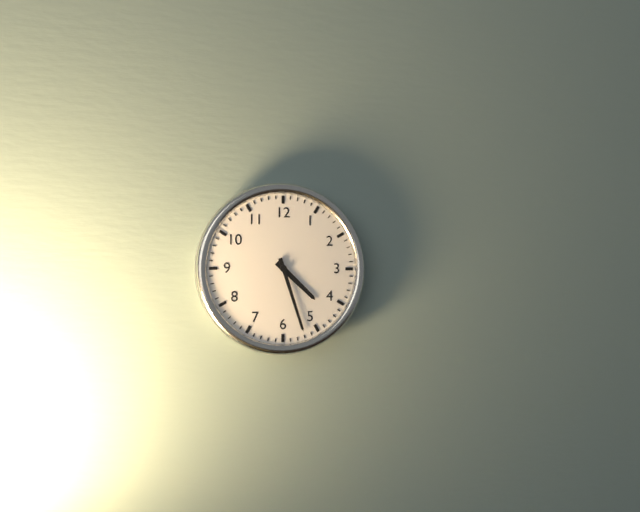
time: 4:27
